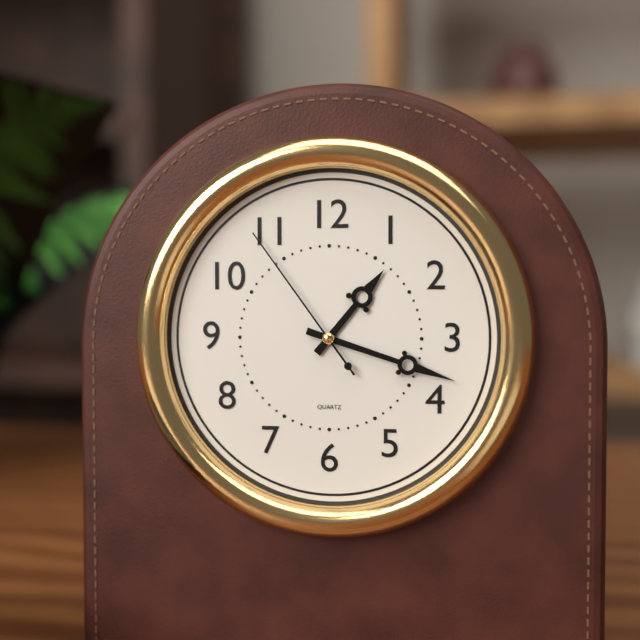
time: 1:18:54
